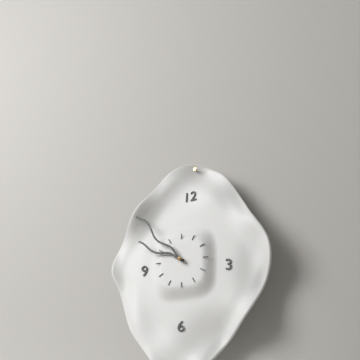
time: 9:53
